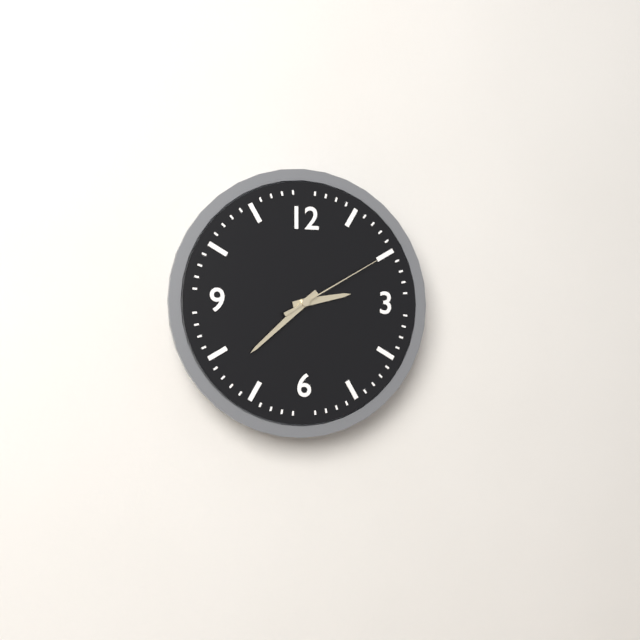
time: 2:38:10
